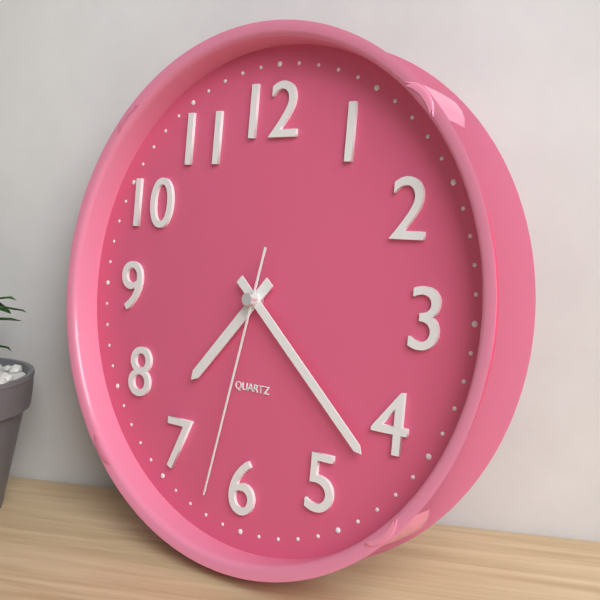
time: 7:22:32
